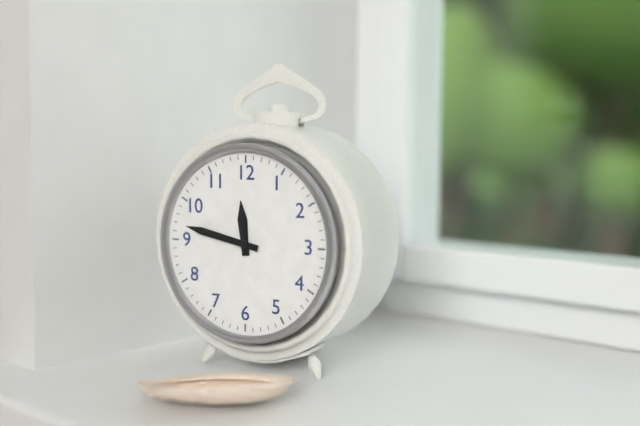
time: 11:47
